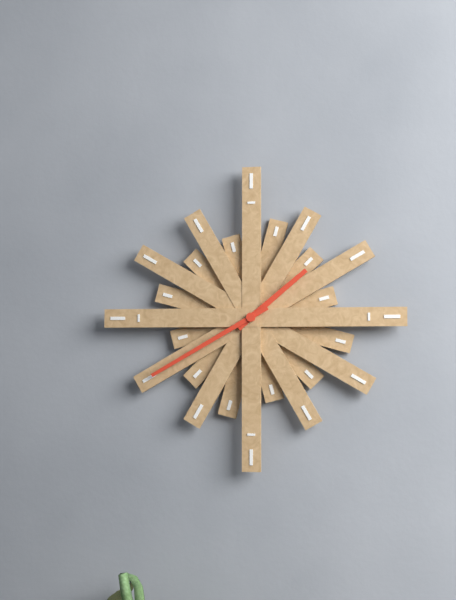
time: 1:40
